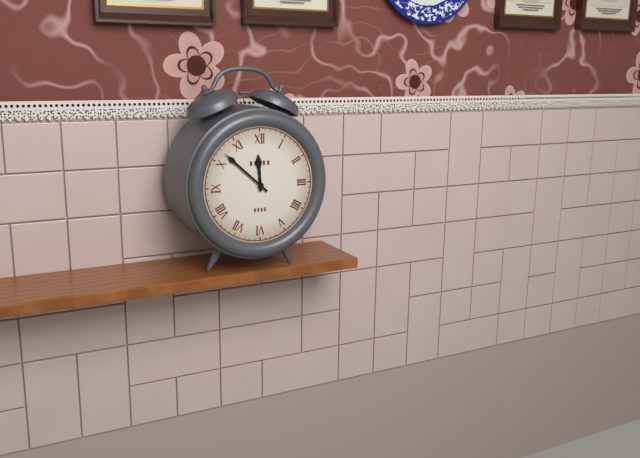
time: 11:52
